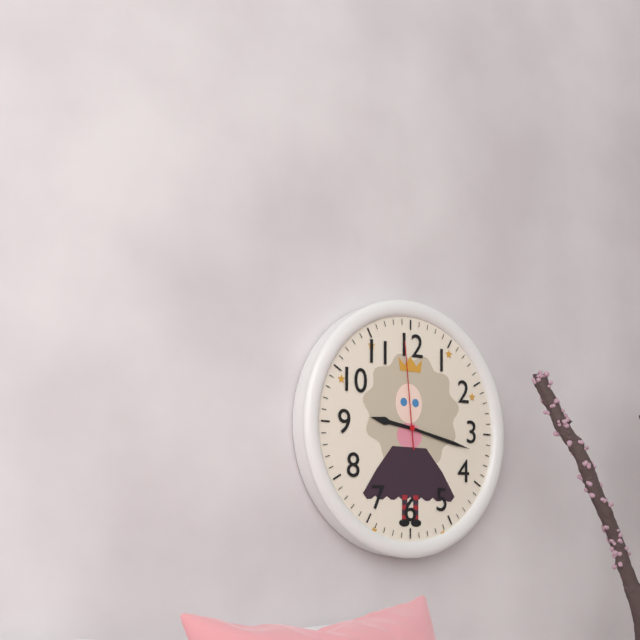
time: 9:17:59
